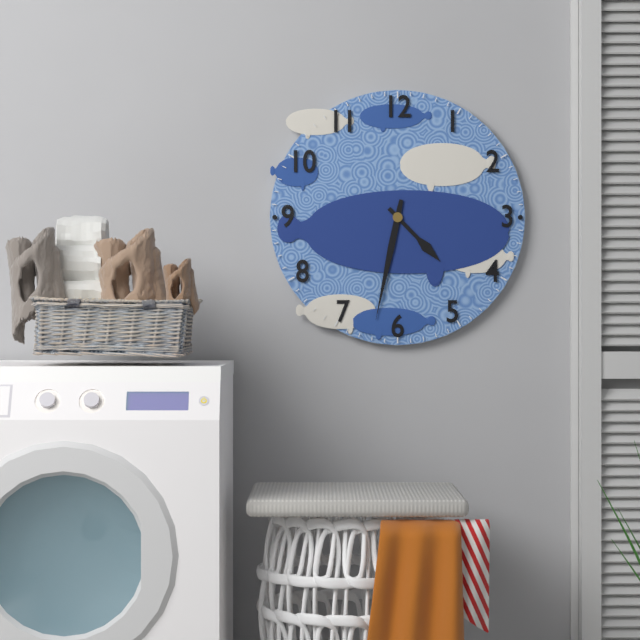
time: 4:32
